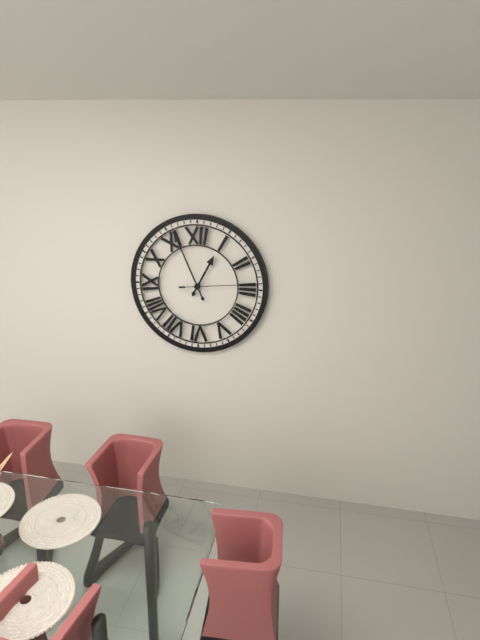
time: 12:56:14
